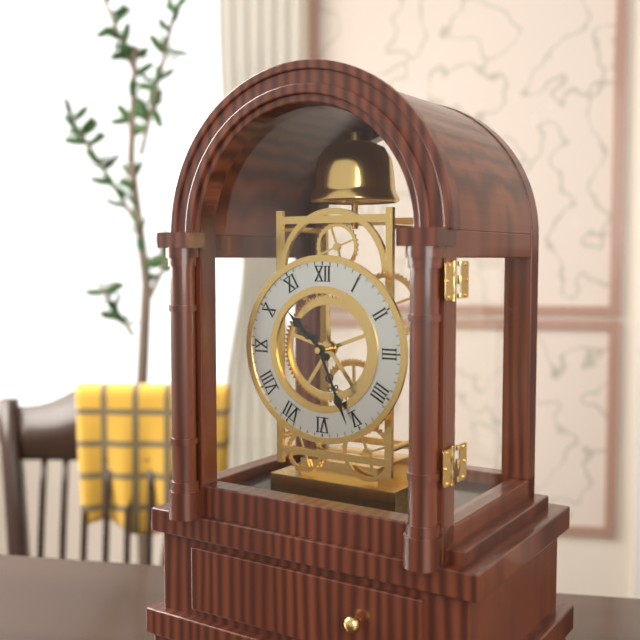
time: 10:26
